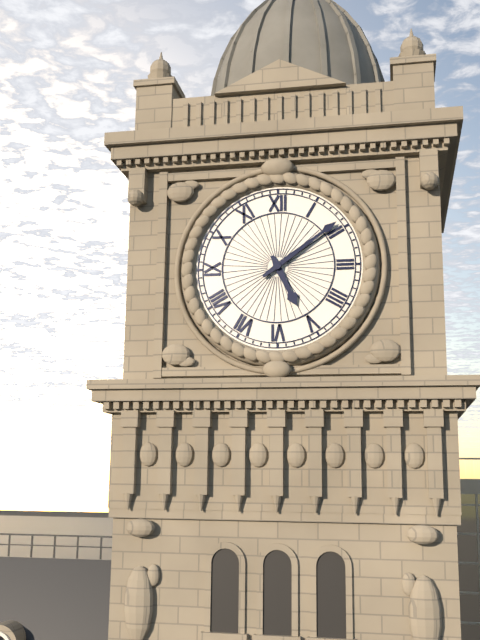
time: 5:09
